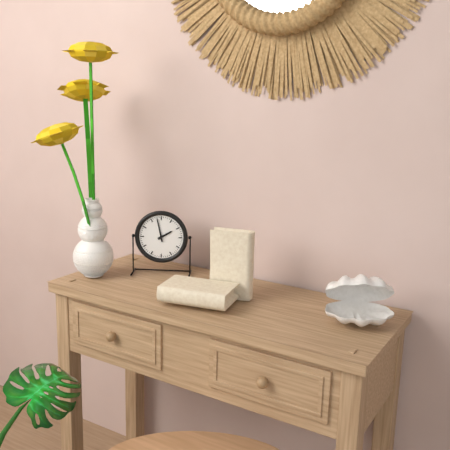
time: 1:58
